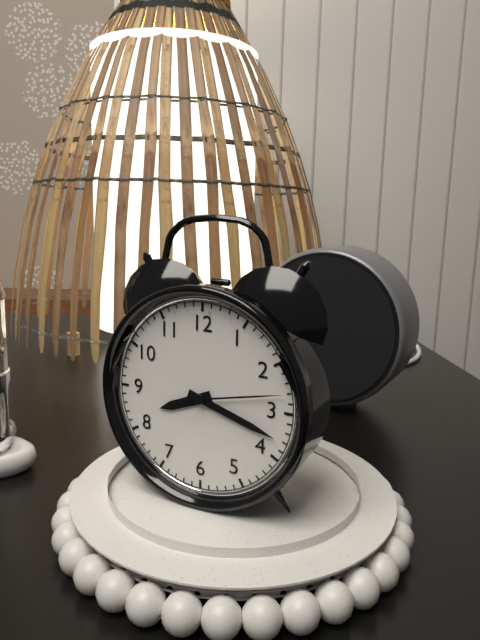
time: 8:18:13
